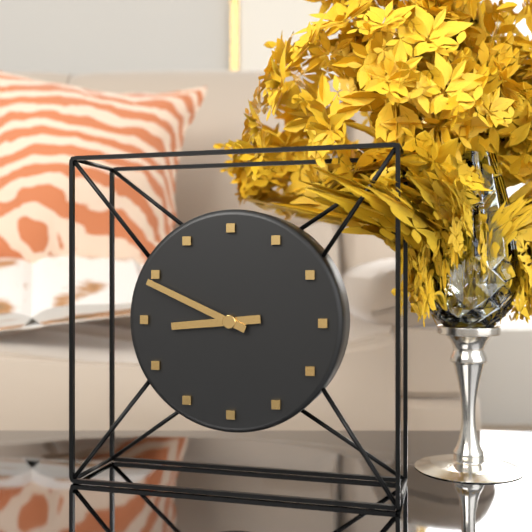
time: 8:49
